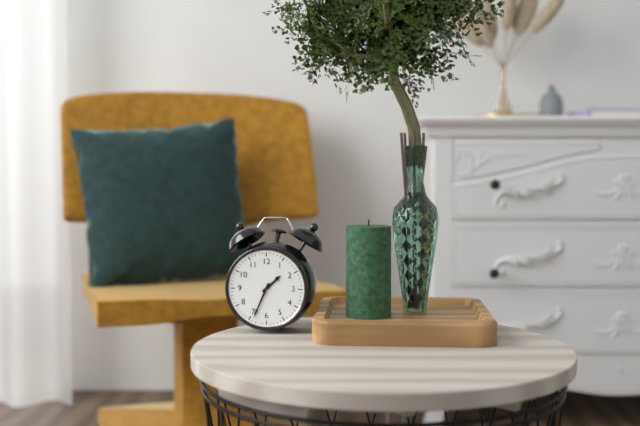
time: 1:34
